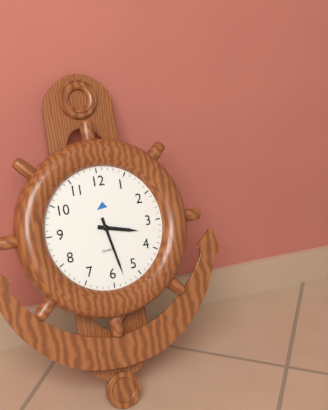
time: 3:28
